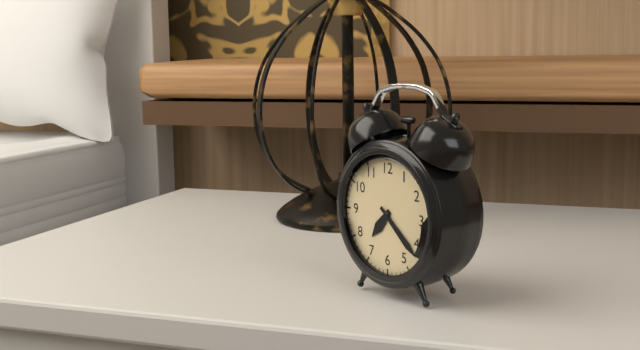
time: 7:22
